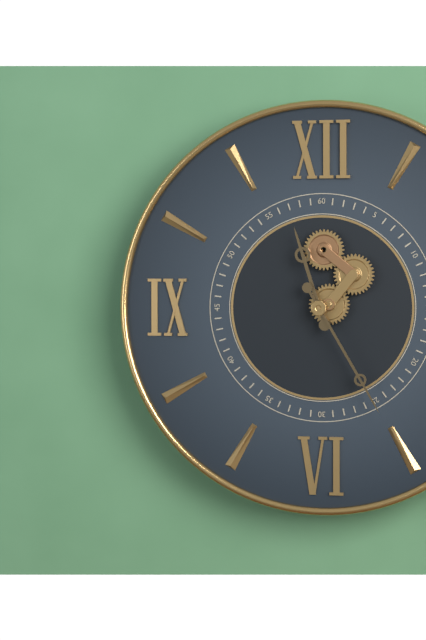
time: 11:25
